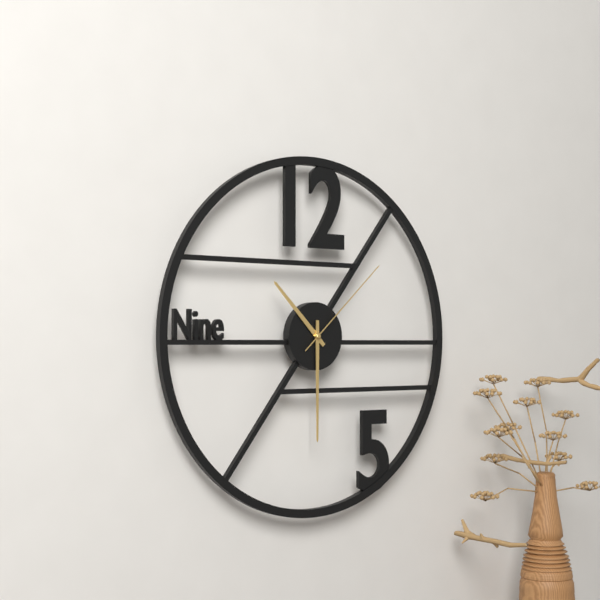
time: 10:30:08
